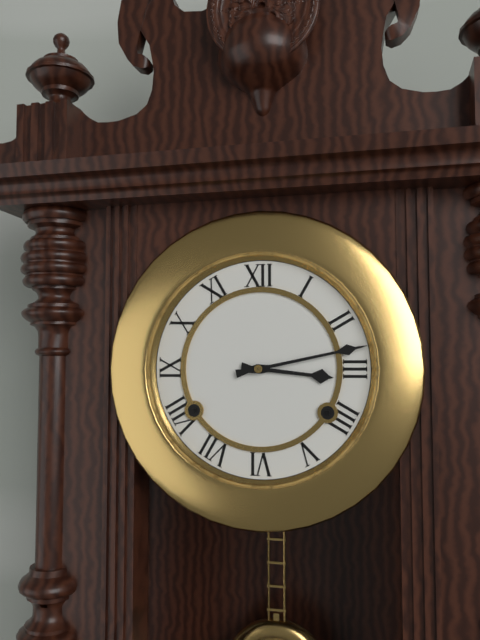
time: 3:13
